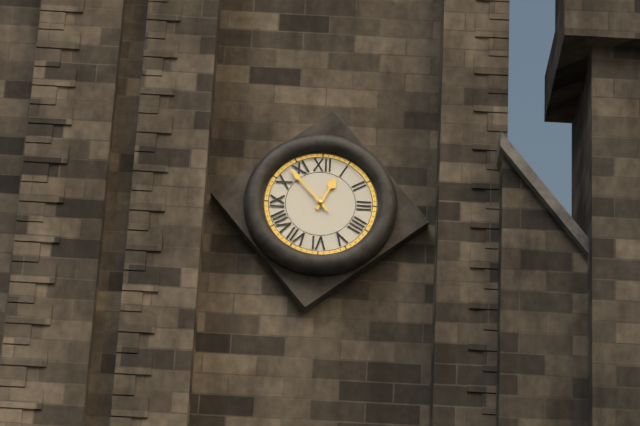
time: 12:53
